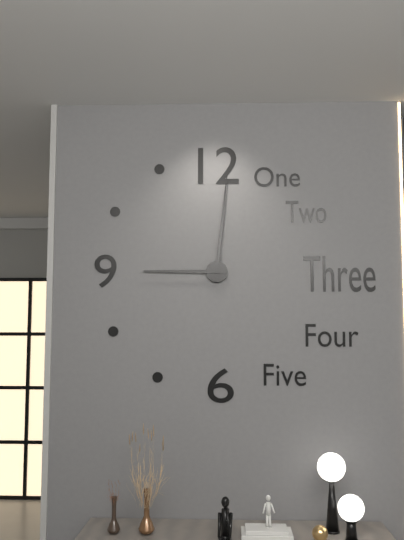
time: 9:01
